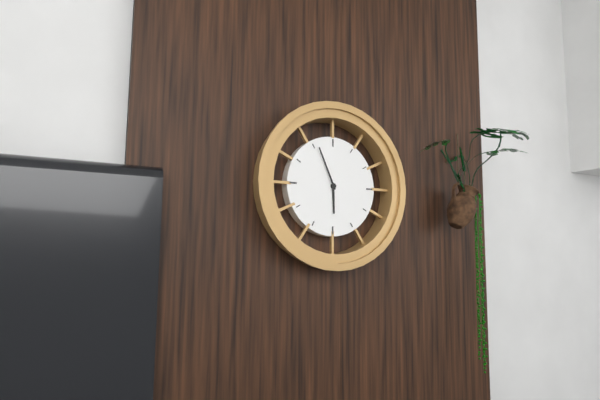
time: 5:56
